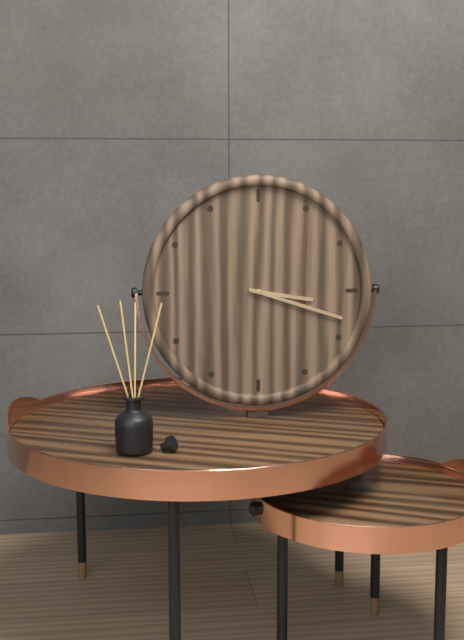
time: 3:18
